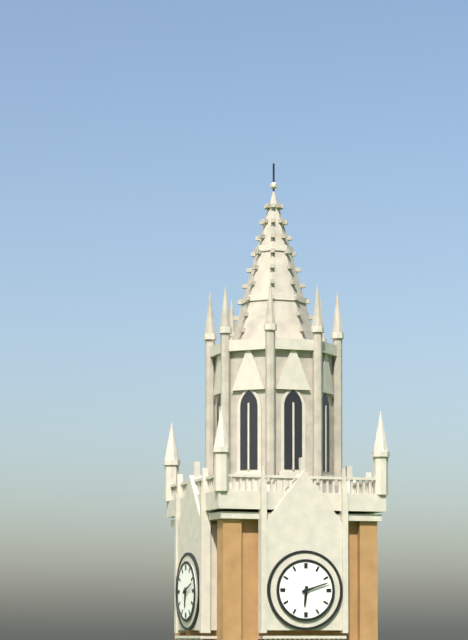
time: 6:12
